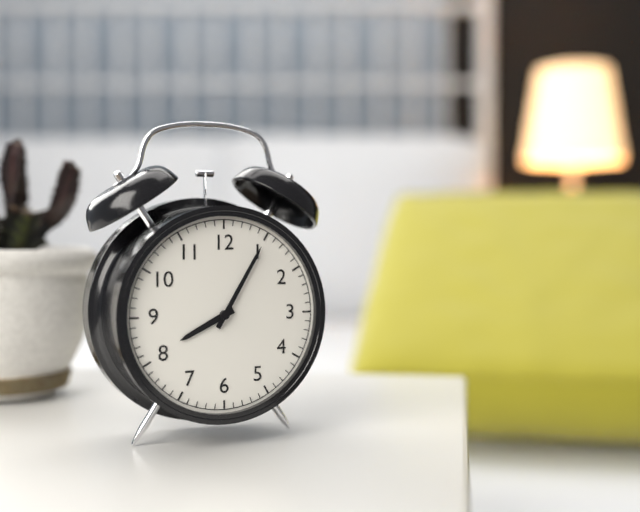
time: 8:05
